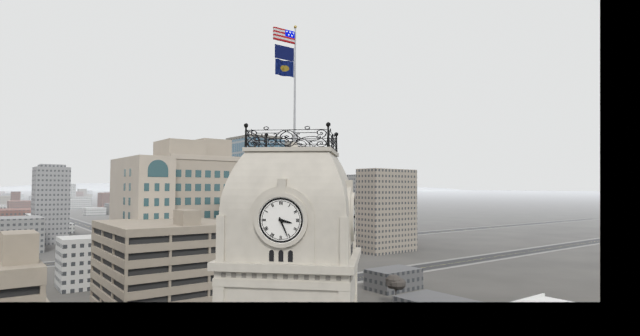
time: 3:26
